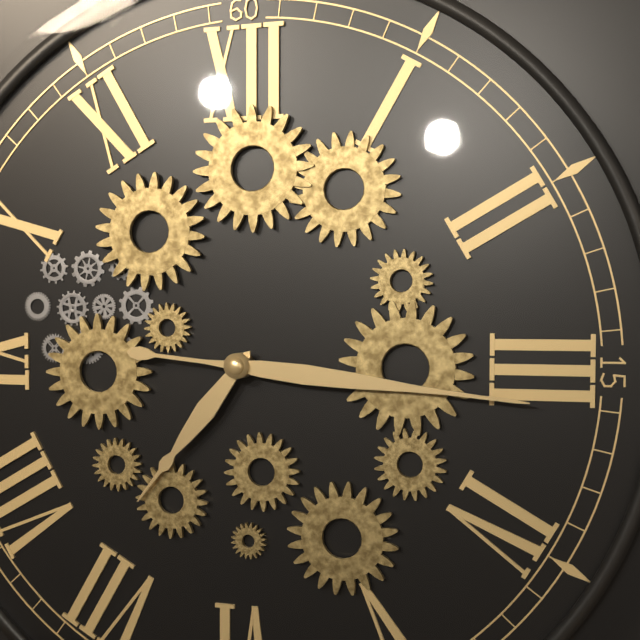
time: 7:16
